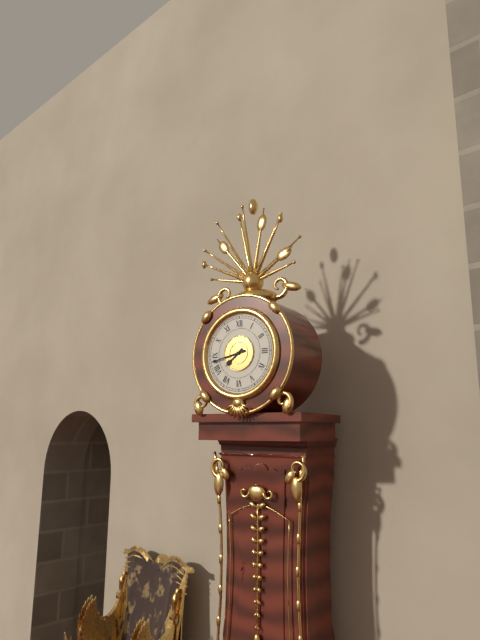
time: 7:43
